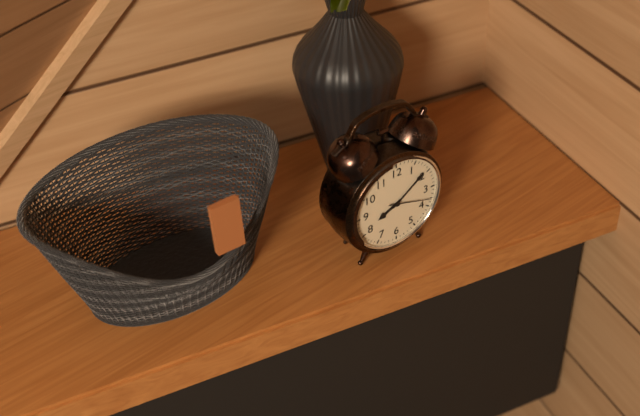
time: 8:09
